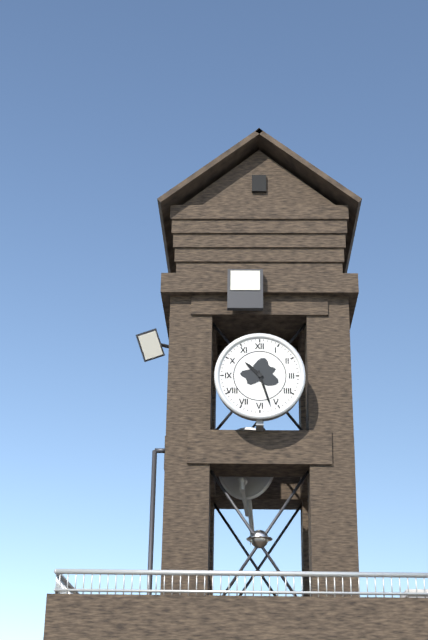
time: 10:27
